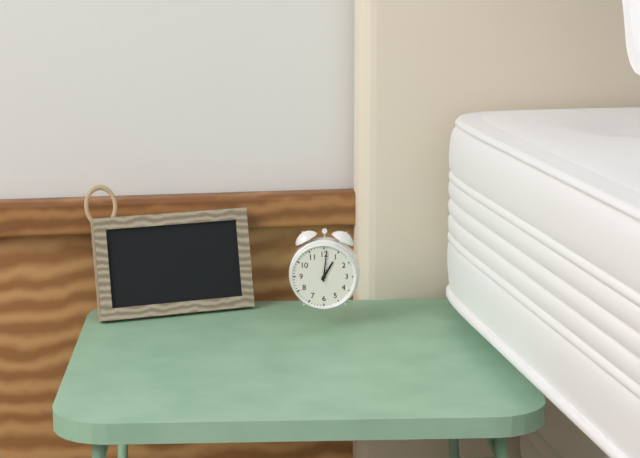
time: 1:01
